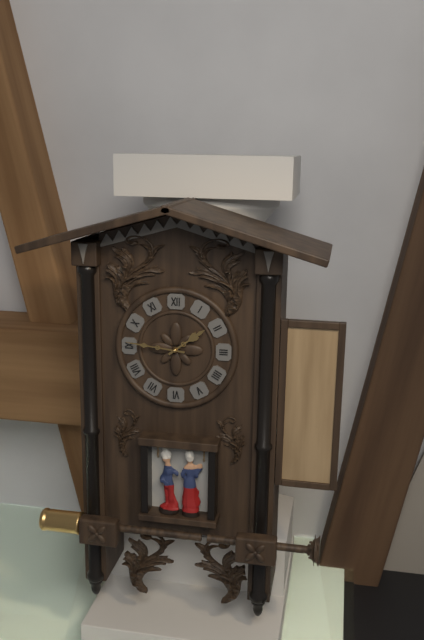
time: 1:46
